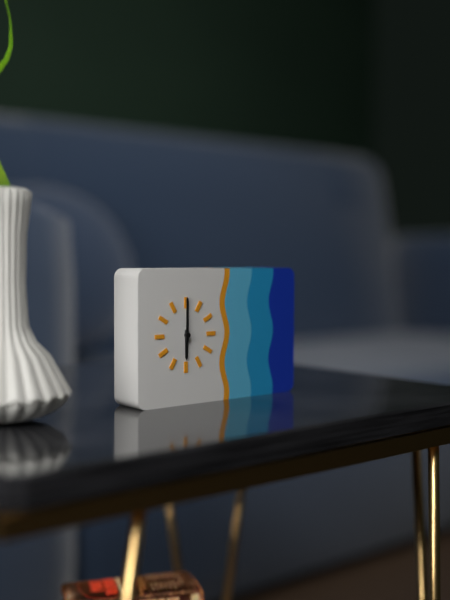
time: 6:00
